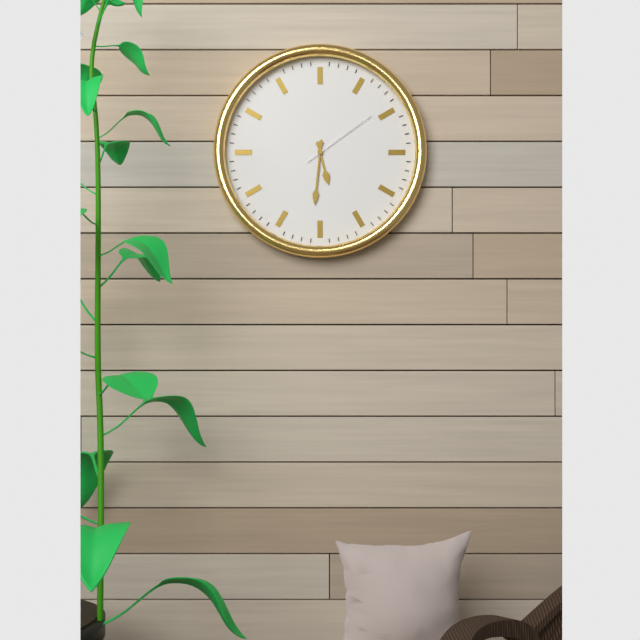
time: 5:31:09
